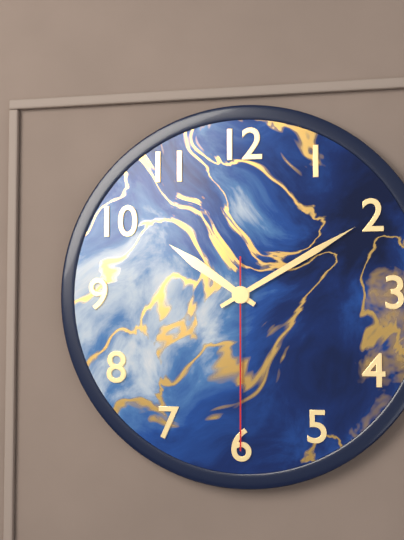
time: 10:10:30
